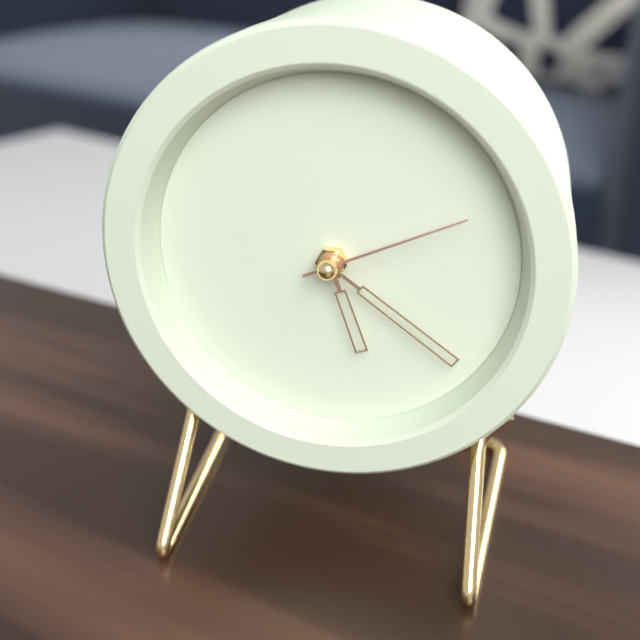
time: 5:21:11
